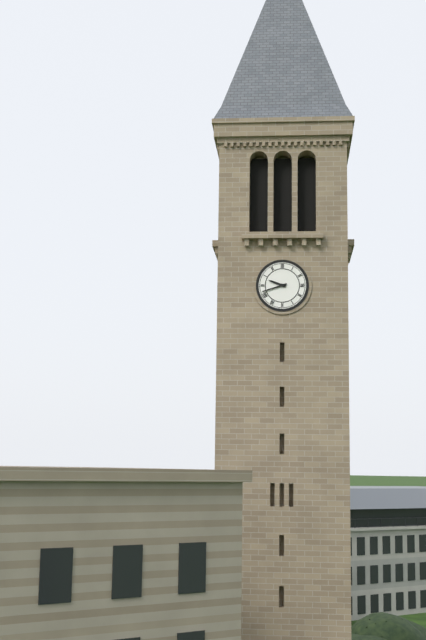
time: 9:42
